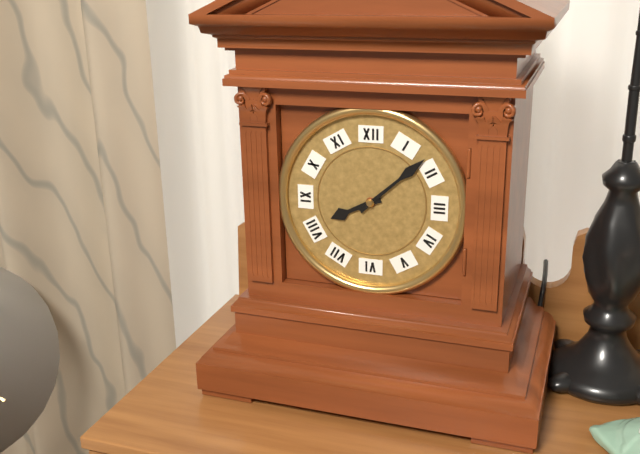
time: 8:08
